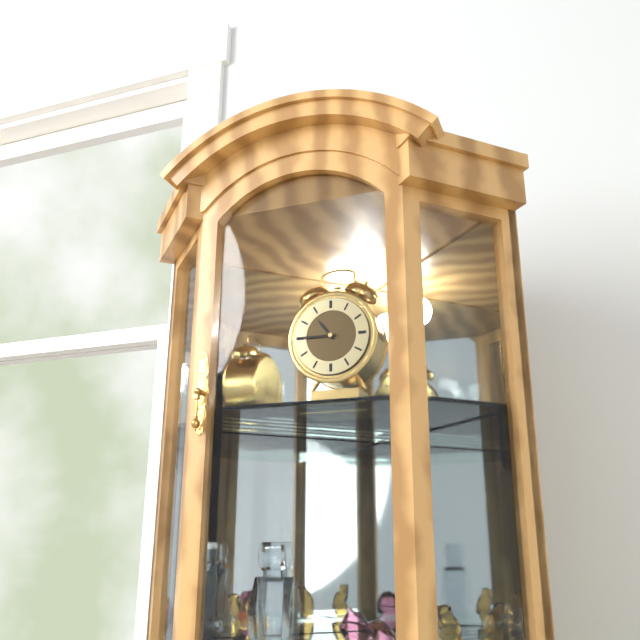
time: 10:45
